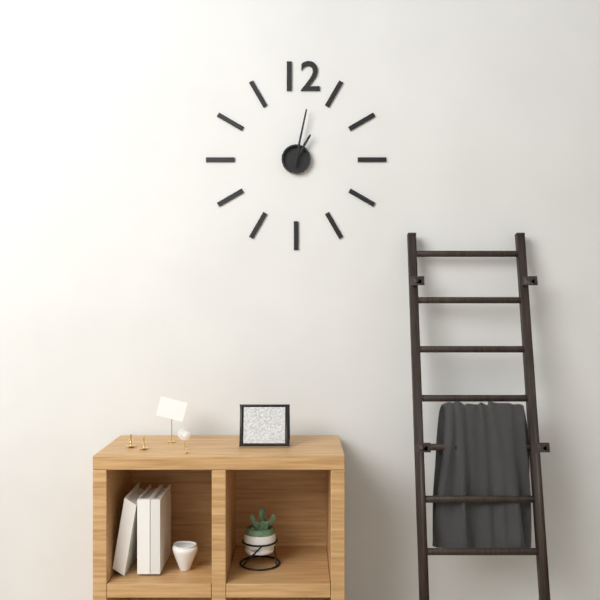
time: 1:02
